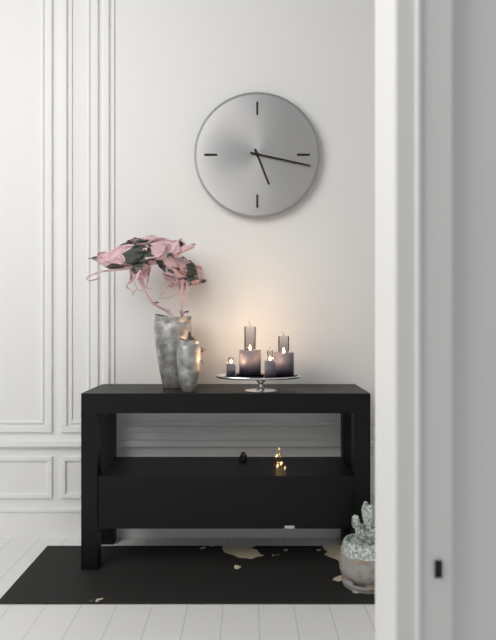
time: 5:17
